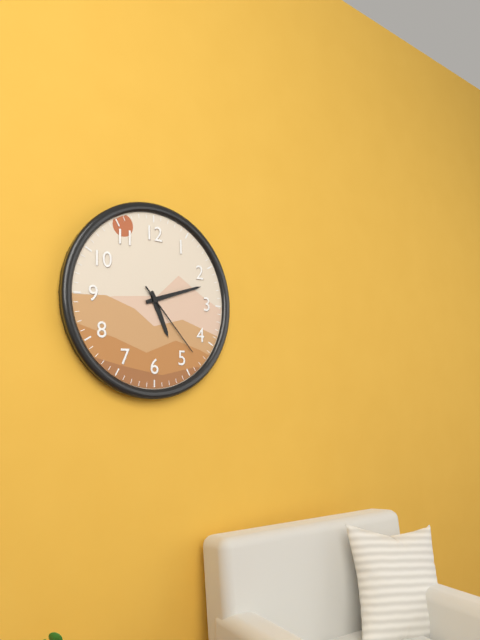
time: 5:12:23
